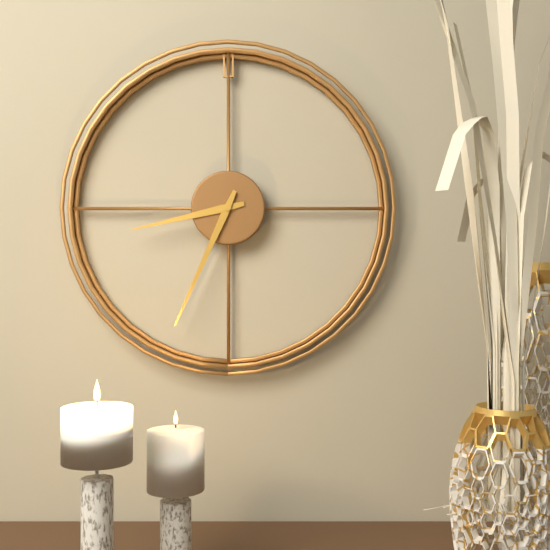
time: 8:34
